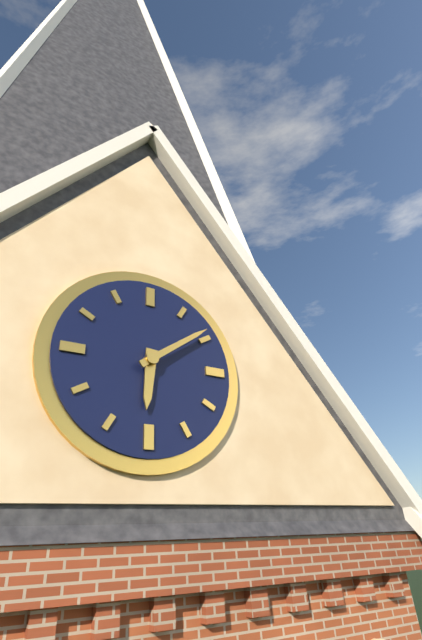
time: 6:09
